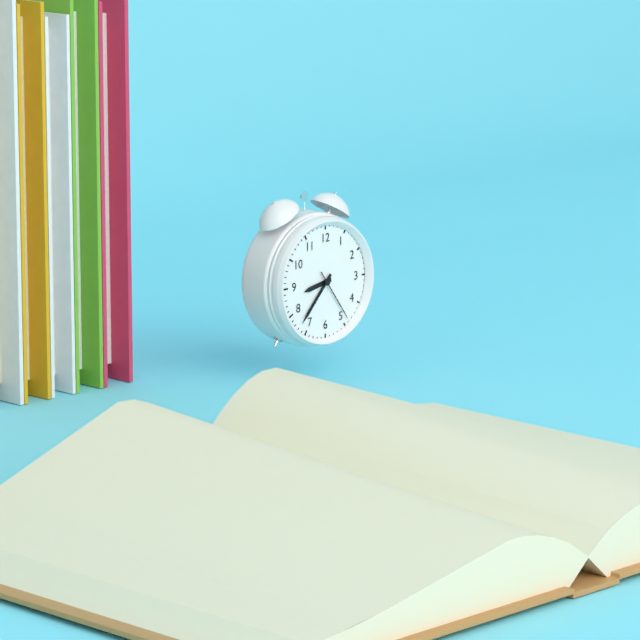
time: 8:37:24
